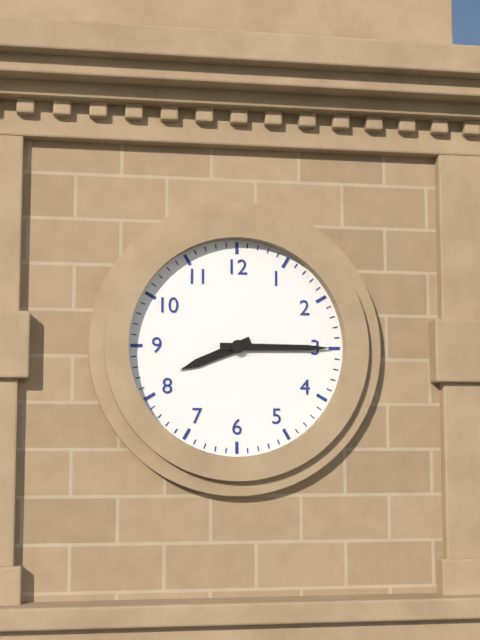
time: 8:15
